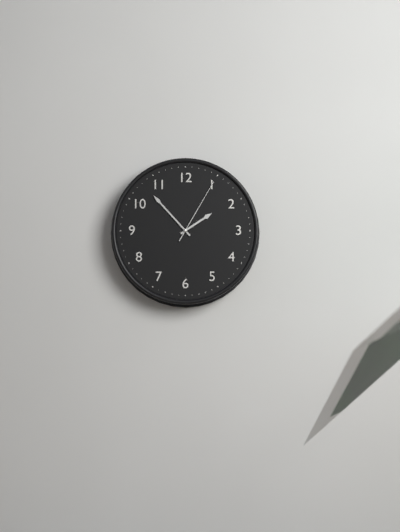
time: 1:53:05
